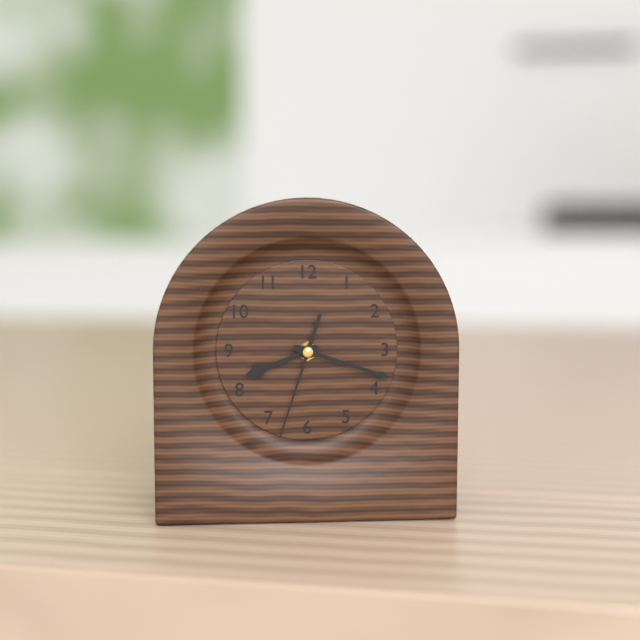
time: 8:18:33
